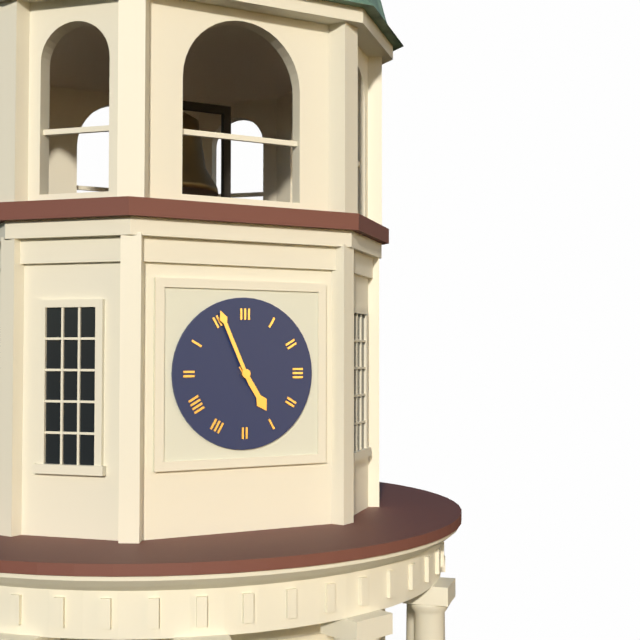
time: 4:56
